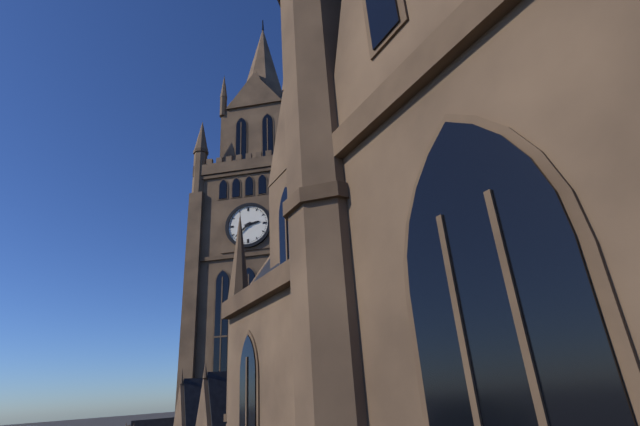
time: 2:38
